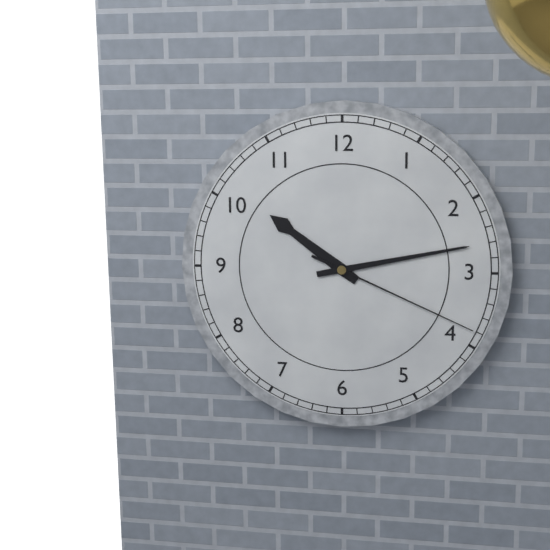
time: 10:13:19
